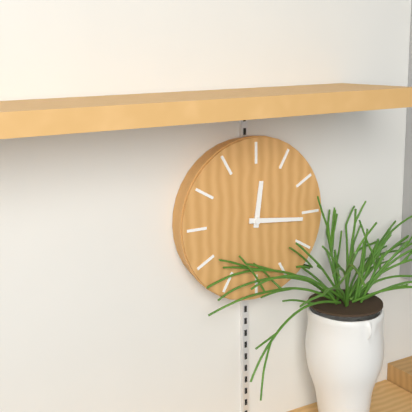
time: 12:16
